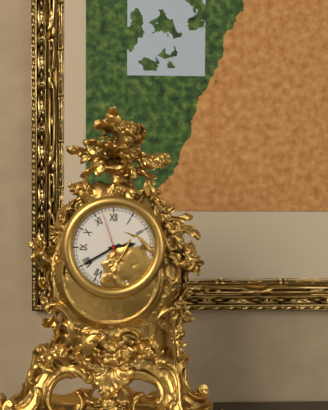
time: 2:40
